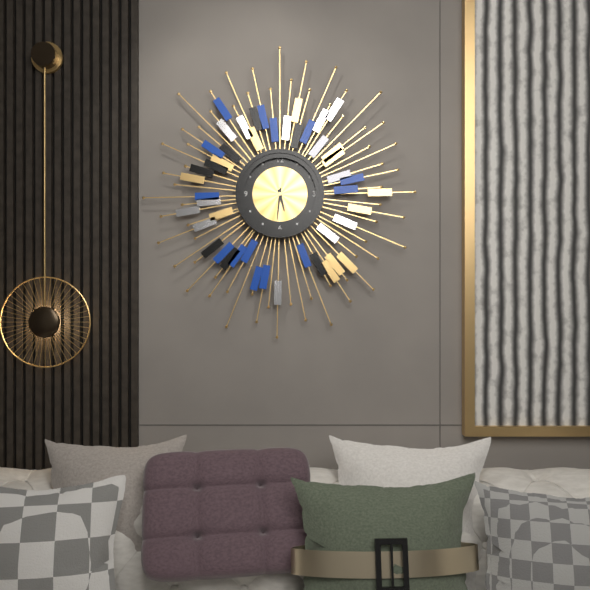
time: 5:31
